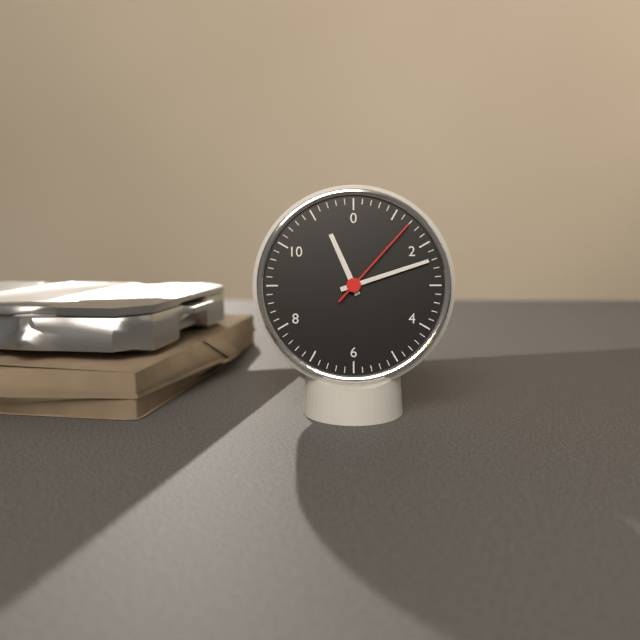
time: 11:12:07
